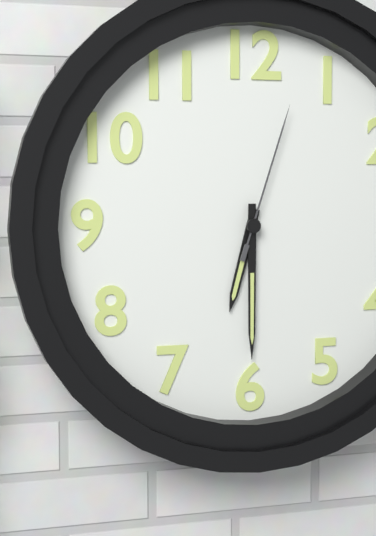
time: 6:30:03
